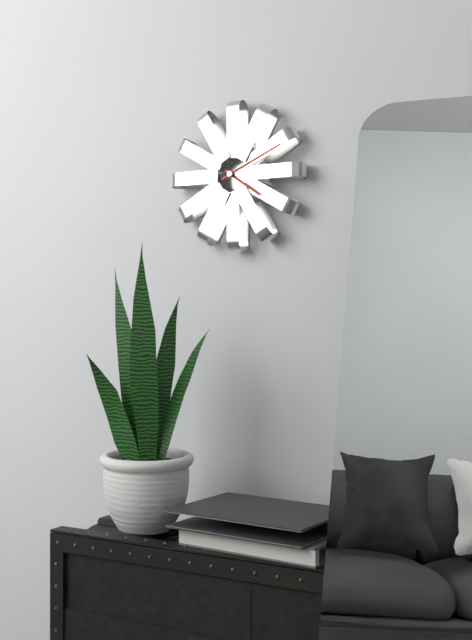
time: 4:11
